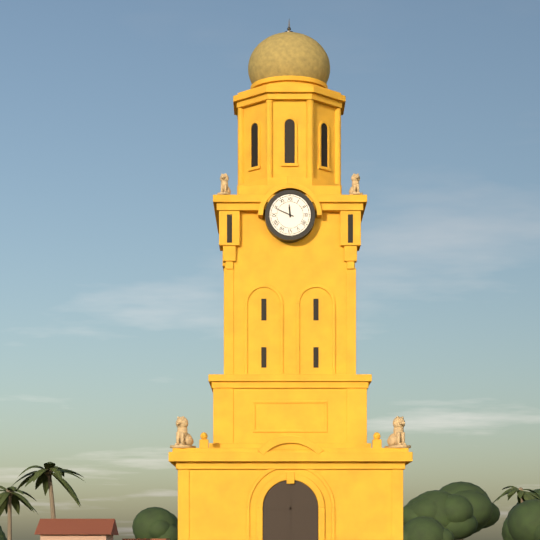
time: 11:49
